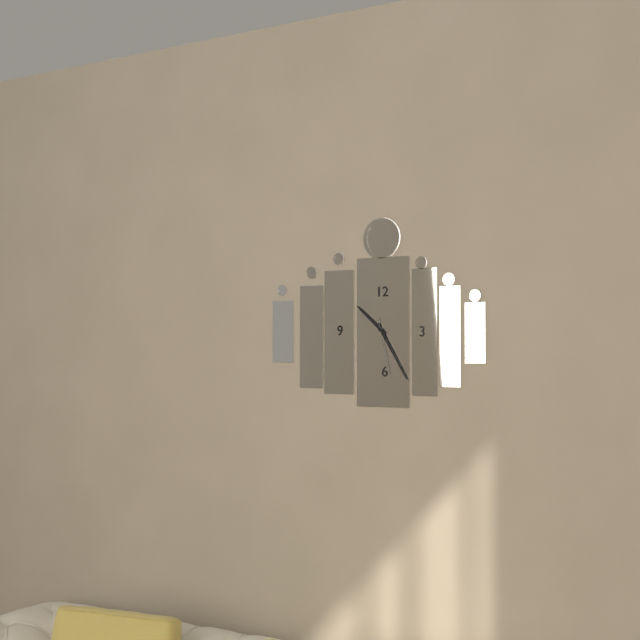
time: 10:25:28
